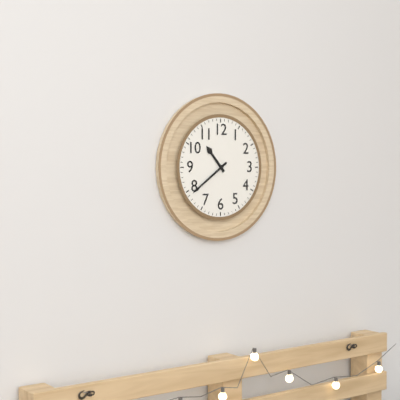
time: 10:39
